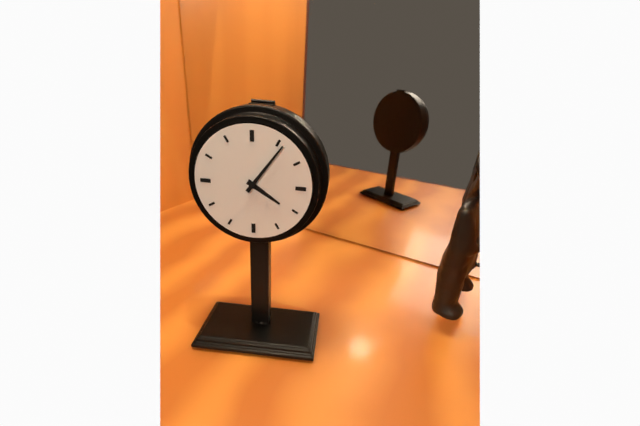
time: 4:06
